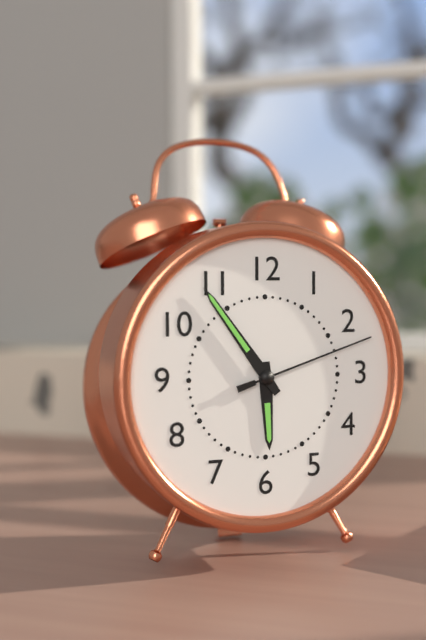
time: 5:54:12
